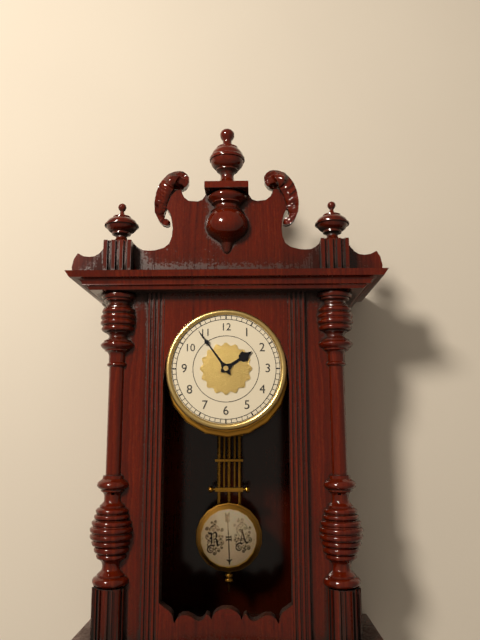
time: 1:54
